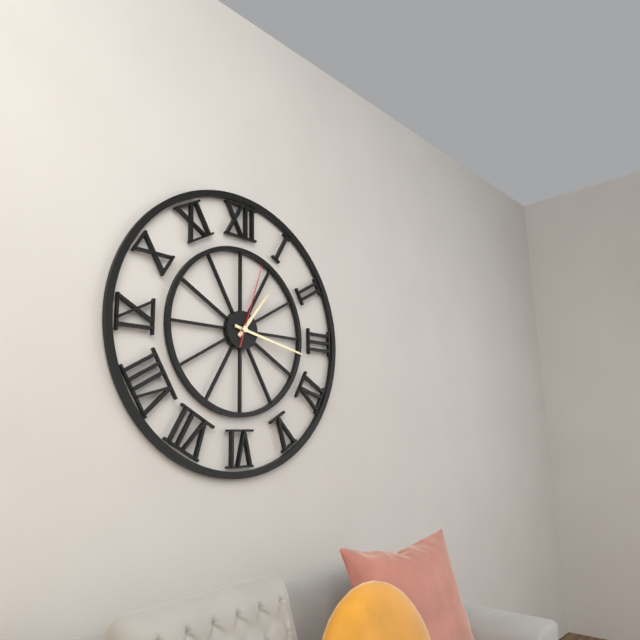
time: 1:17:03
